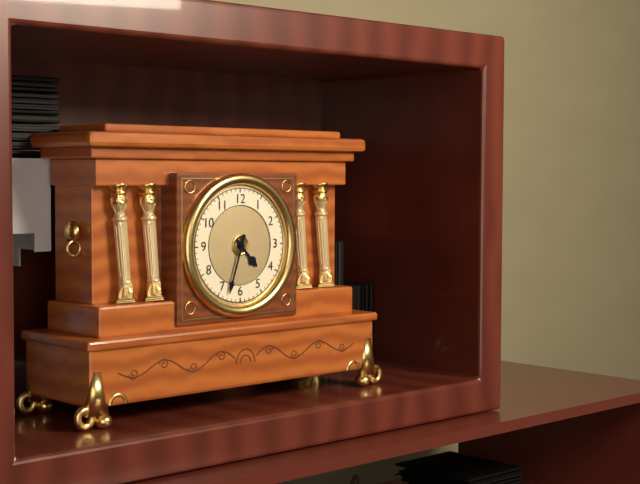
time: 4:33
